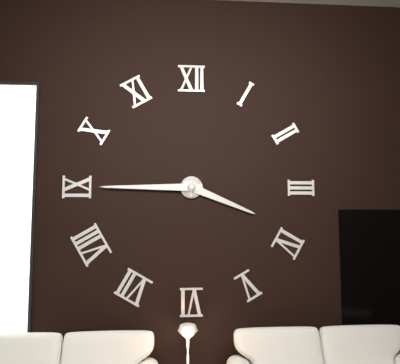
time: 3:45
